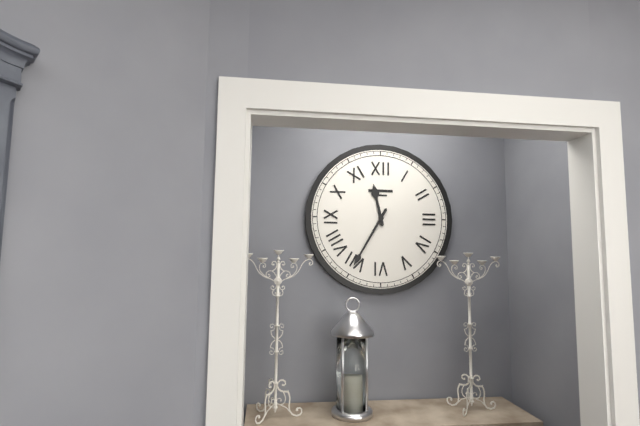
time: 11:35
